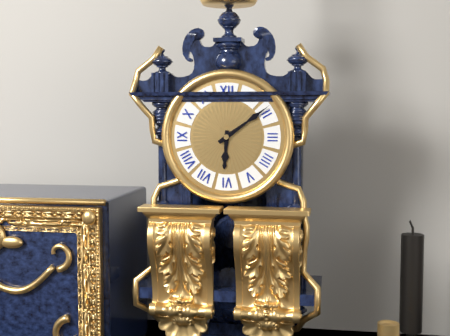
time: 6:09
